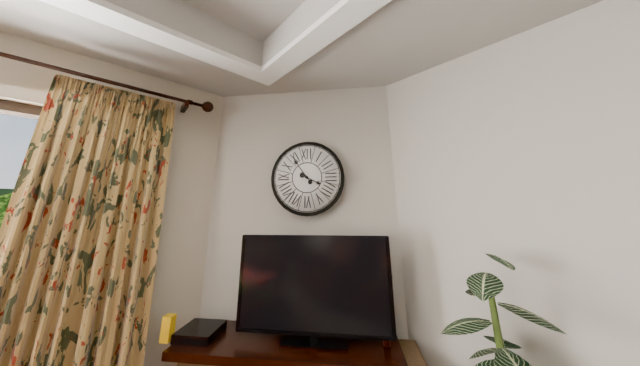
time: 3:54
